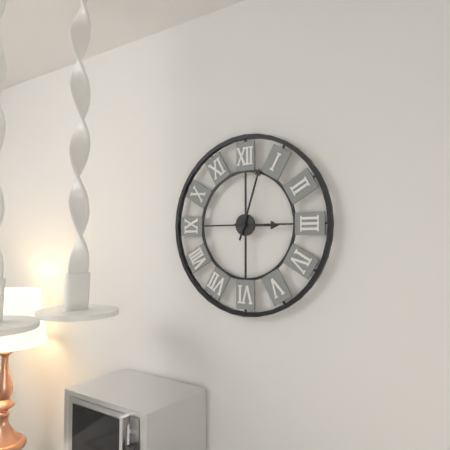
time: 3:03
